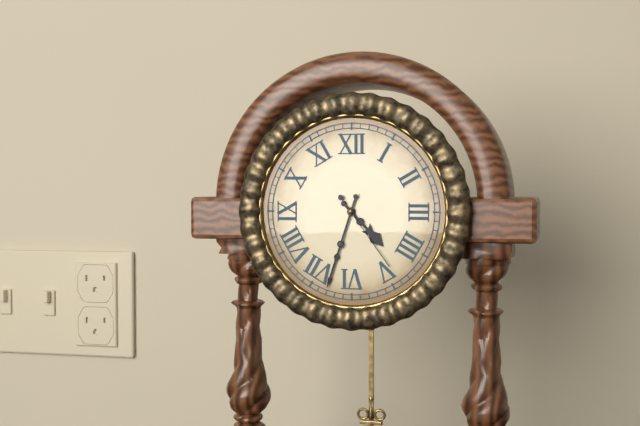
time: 4:33:24
